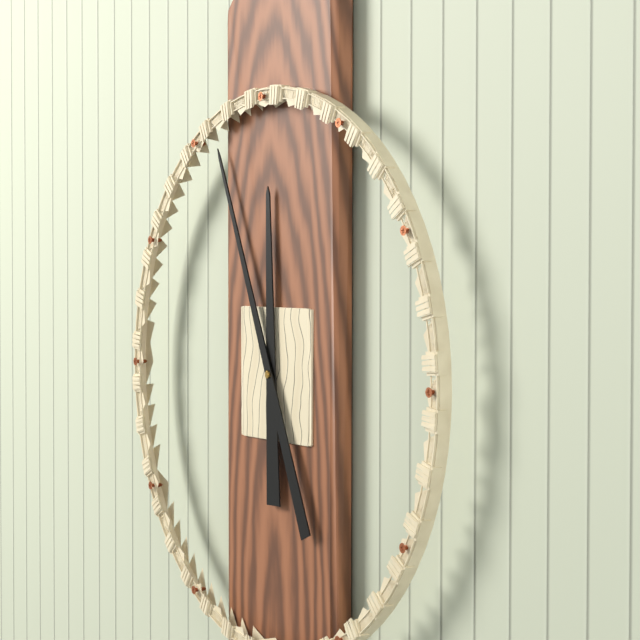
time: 11:56
